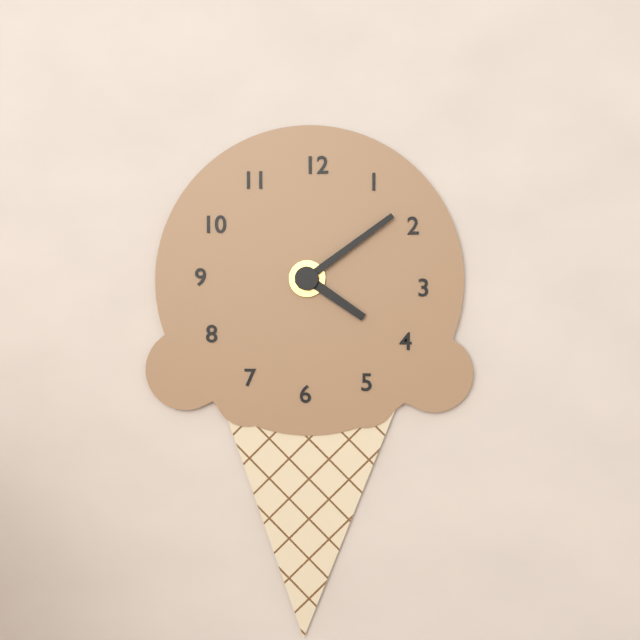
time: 4:09
